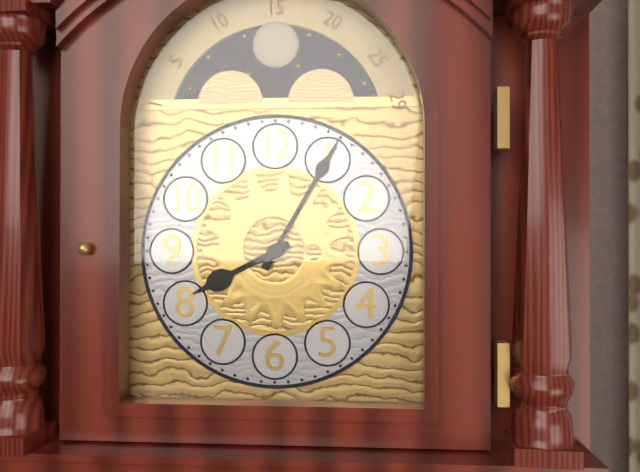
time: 8:05
